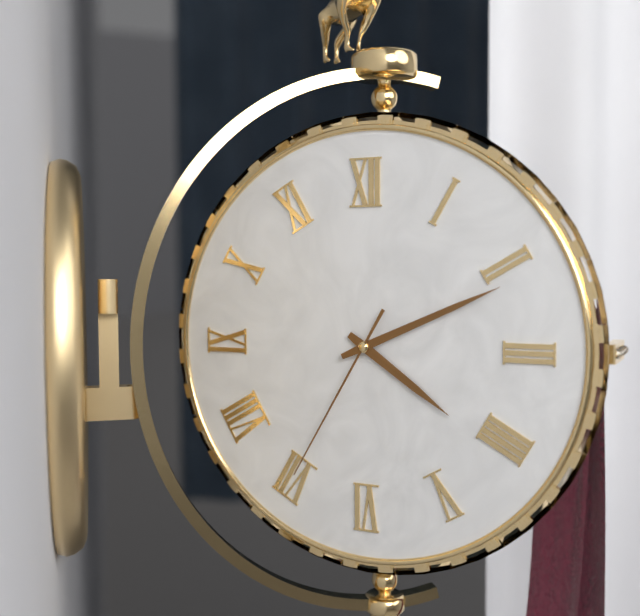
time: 4:11:35
